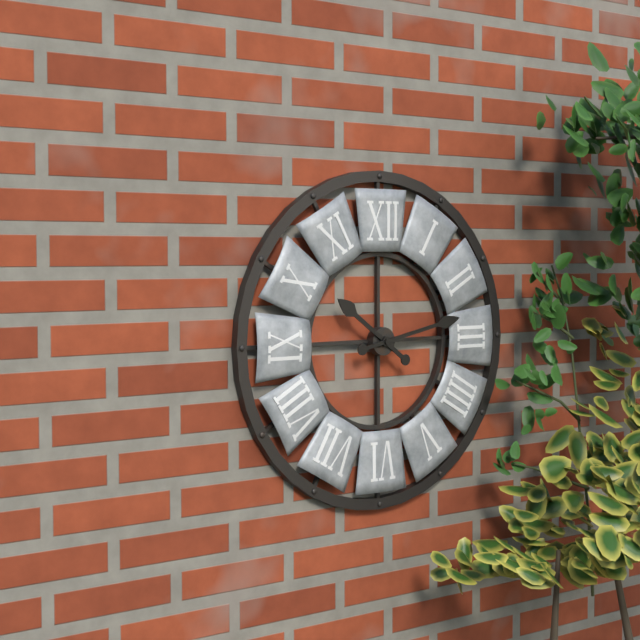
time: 10:13
